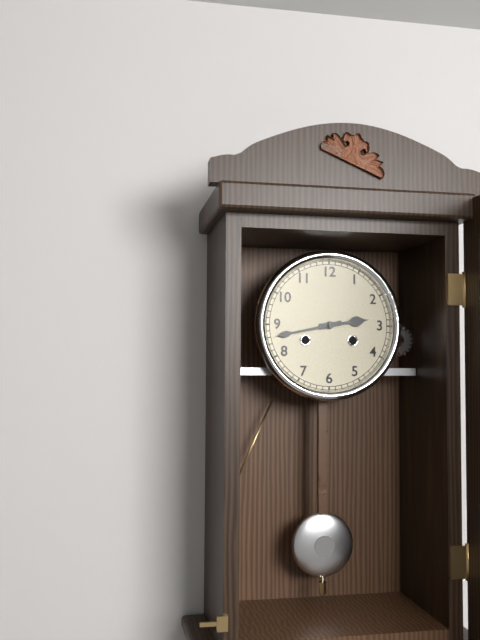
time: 2:43
